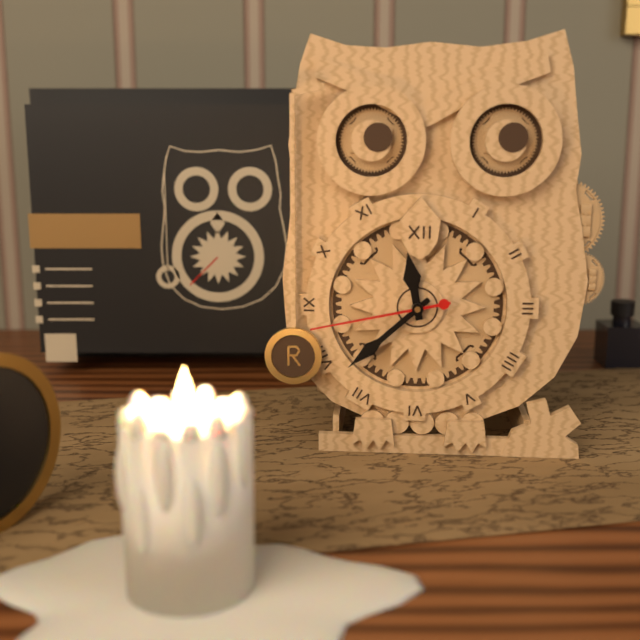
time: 11:38:43
